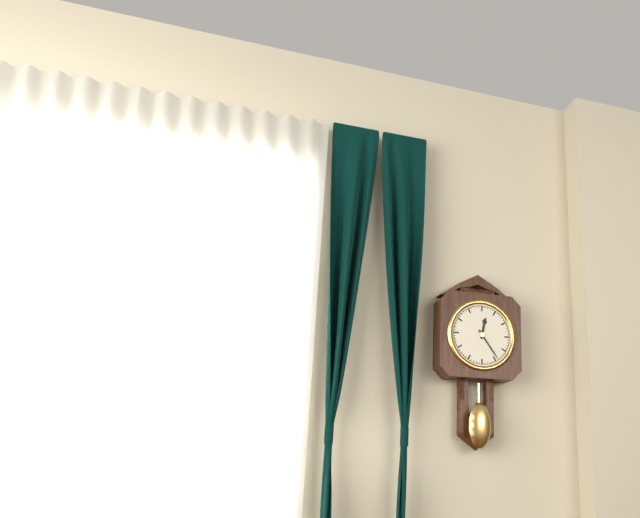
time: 12:24
